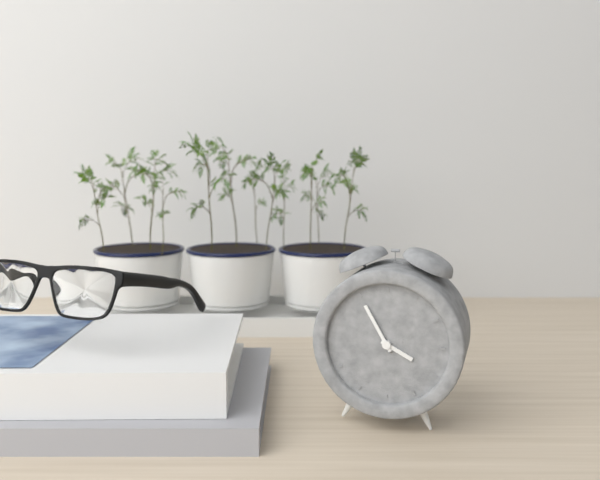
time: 3:55
